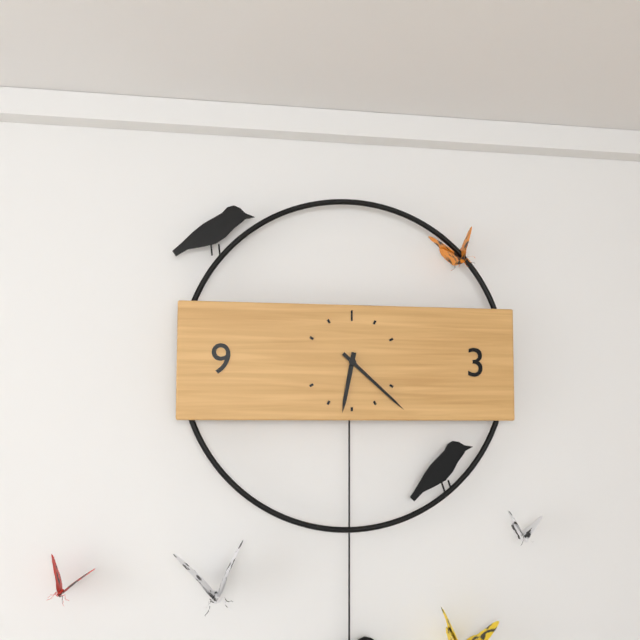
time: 6:22
